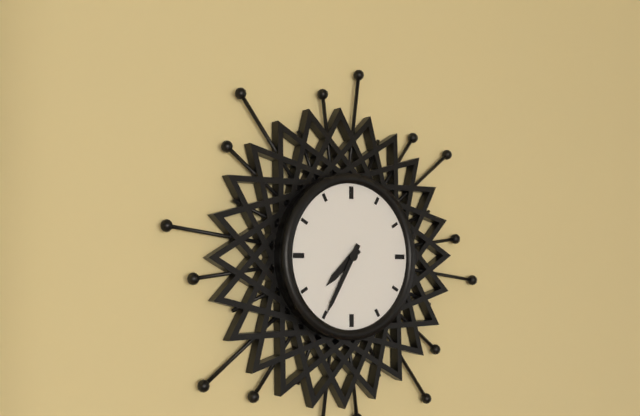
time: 7:35
